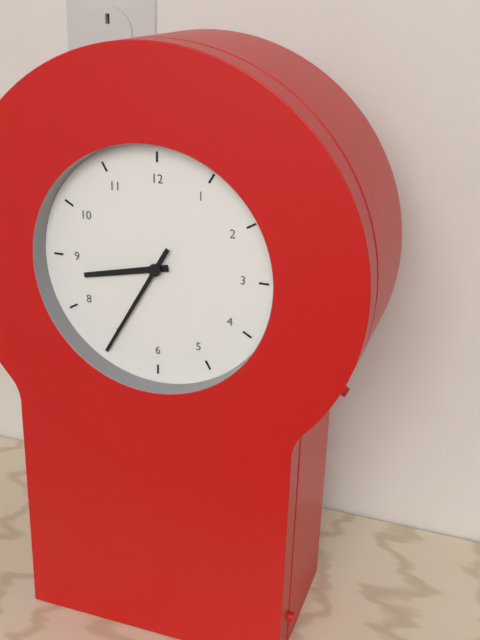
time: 8:35
